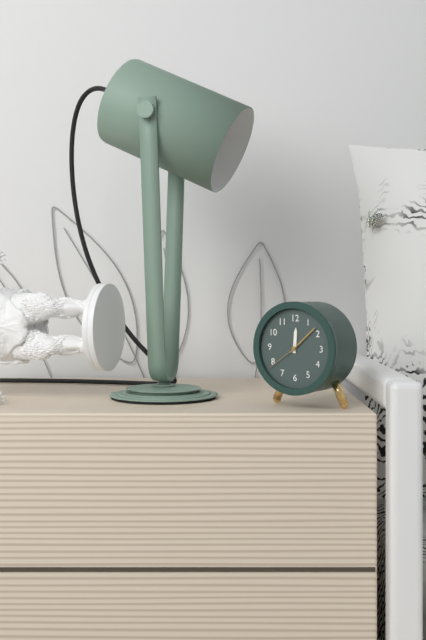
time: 12:08
